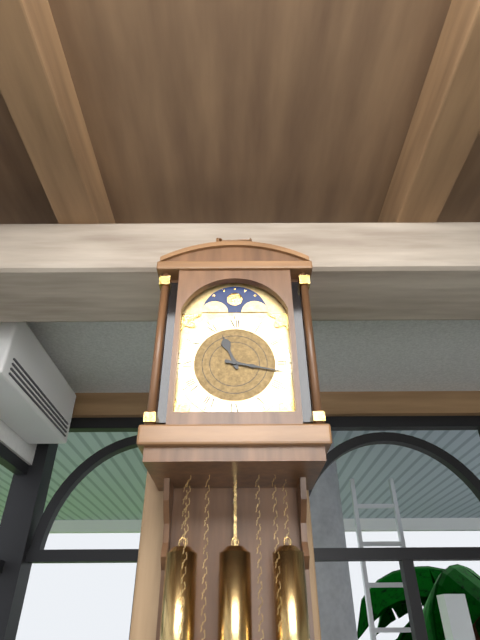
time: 11:17
